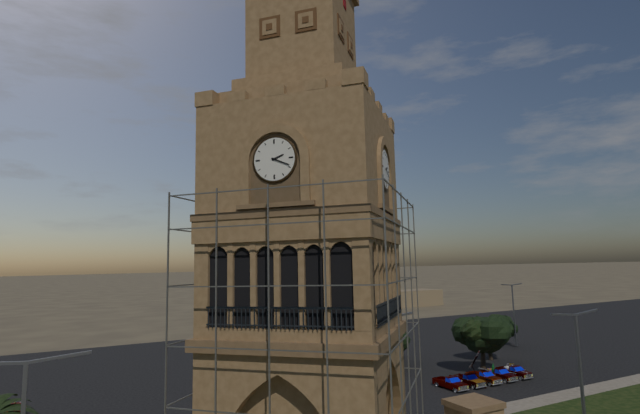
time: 2:19
